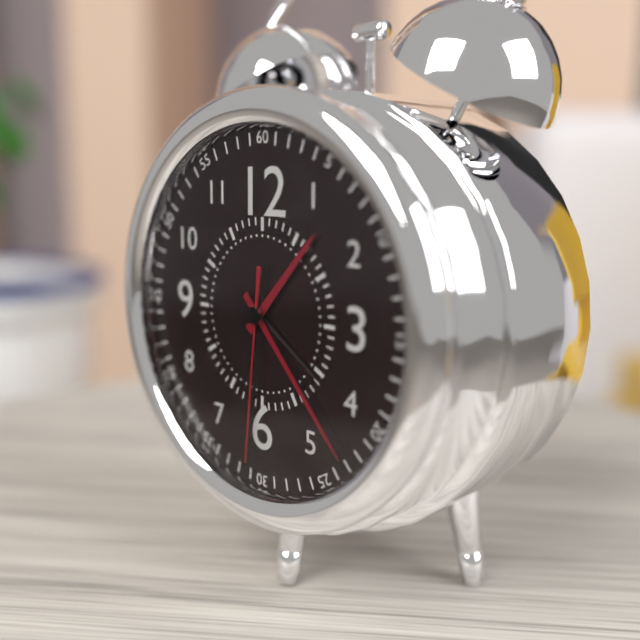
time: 1:23:31
